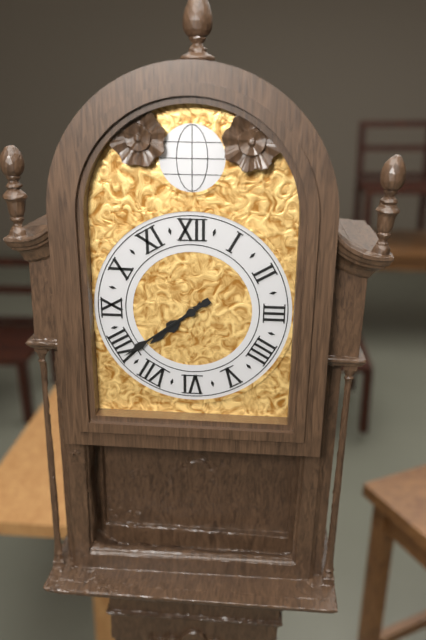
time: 7:39
